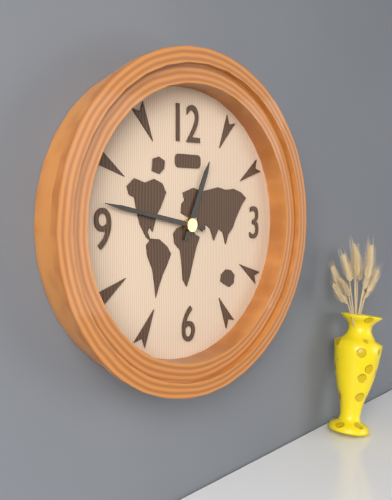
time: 12:47
